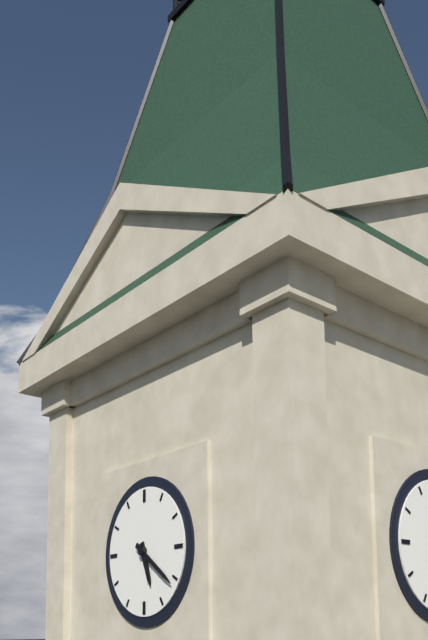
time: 5:21
